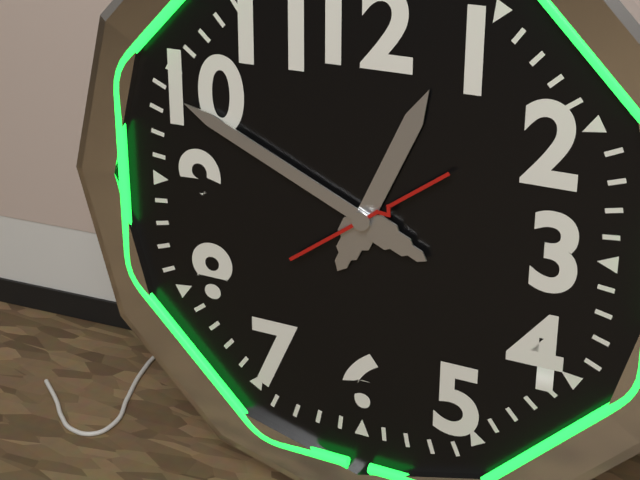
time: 12:49:09
